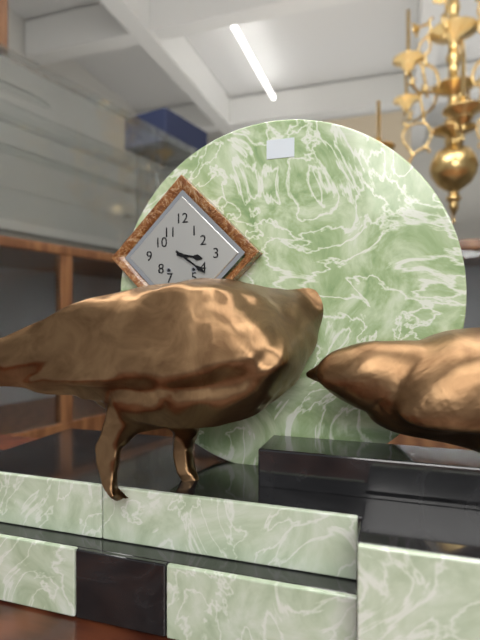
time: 3:21
